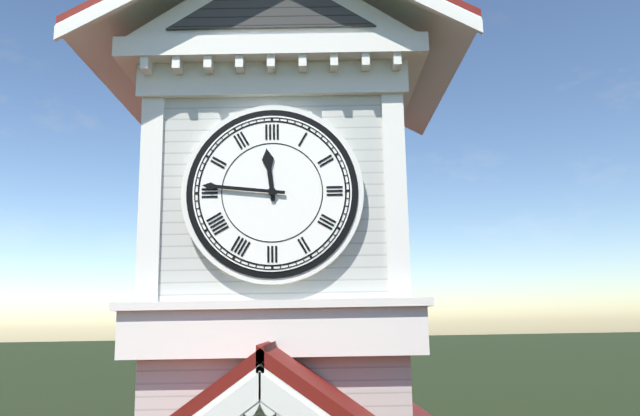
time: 11:46
